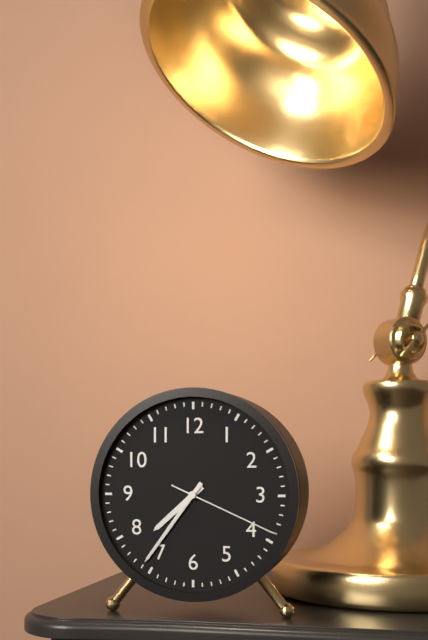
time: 7:36:19
